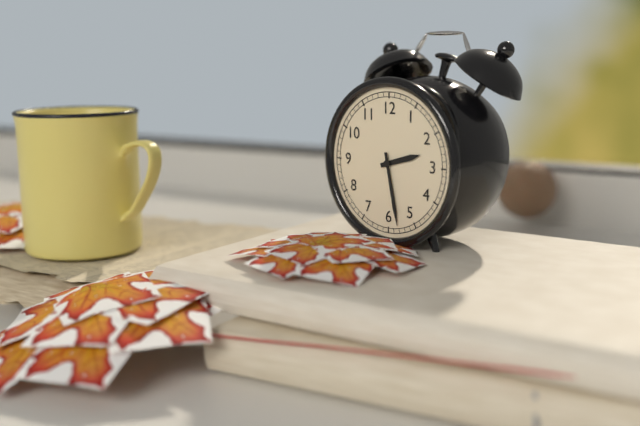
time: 2:28
